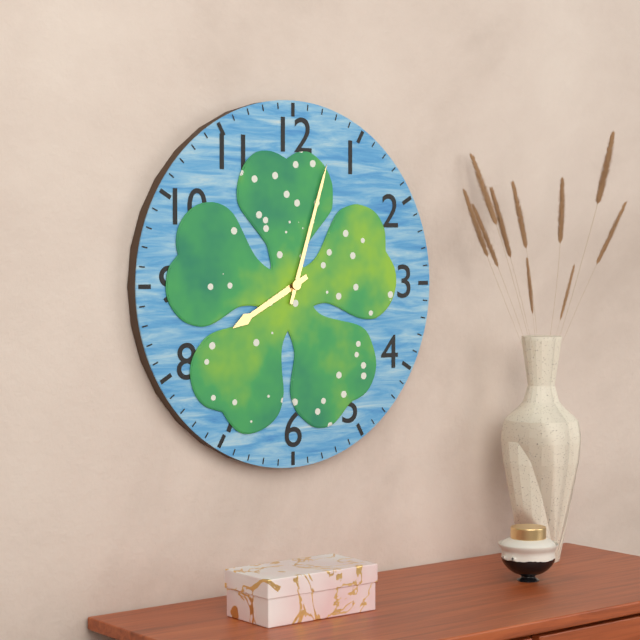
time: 8:03
